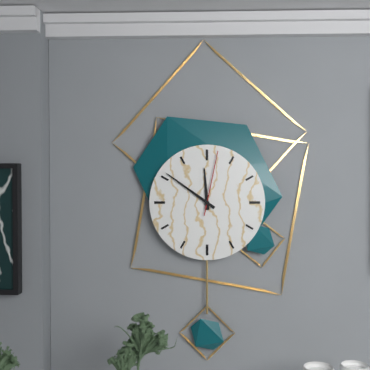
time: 11:51:02
